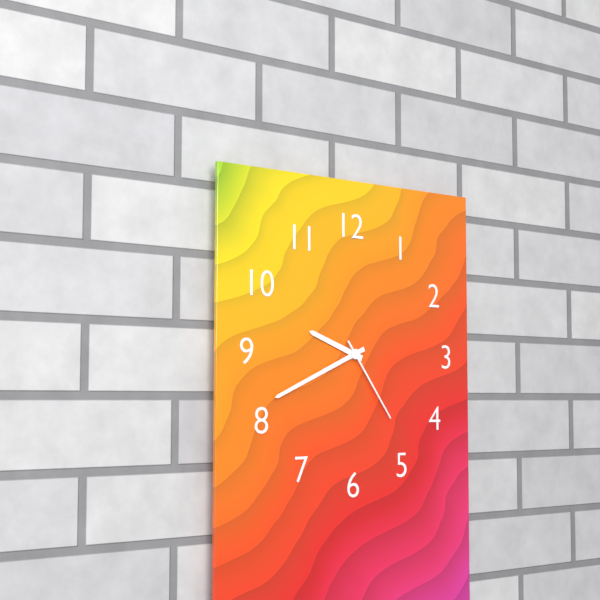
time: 9:41:24
